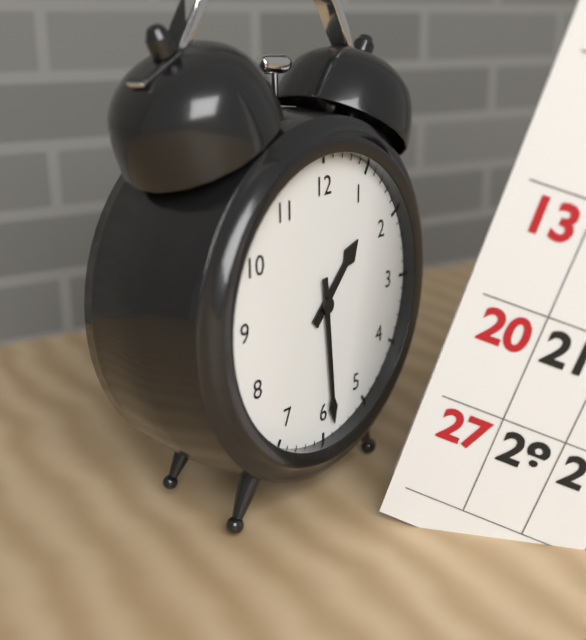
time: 1:29
